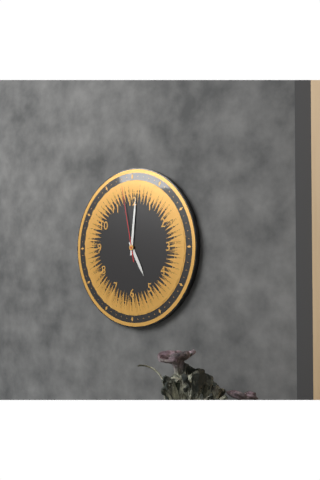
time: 5:01:58
